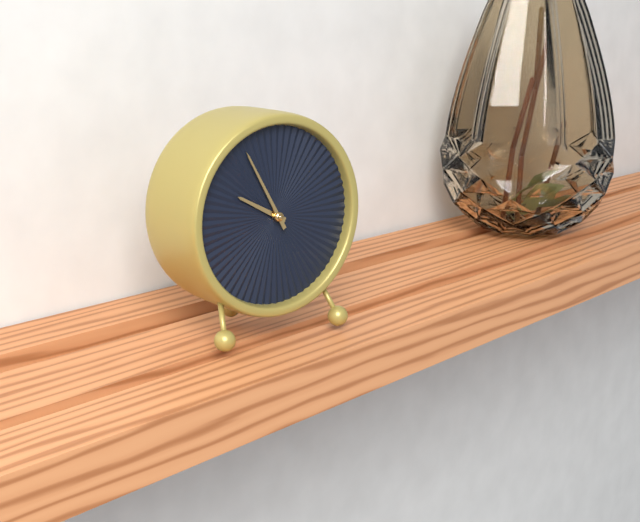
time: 9:55
